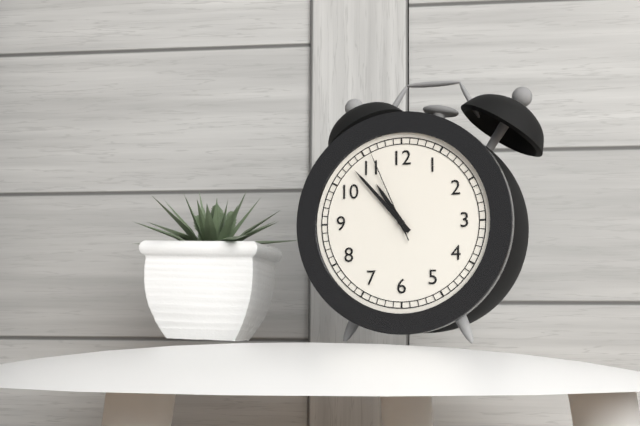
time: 10:53:56
